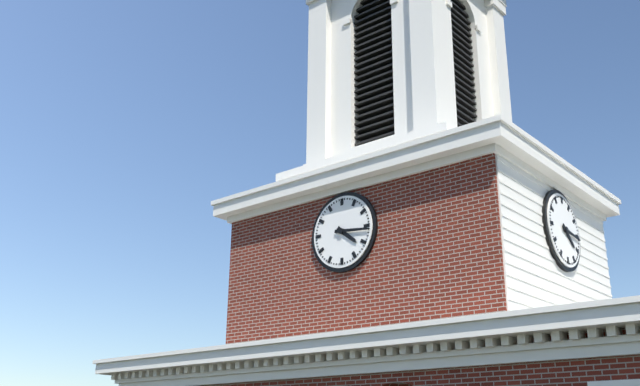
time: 4:16
